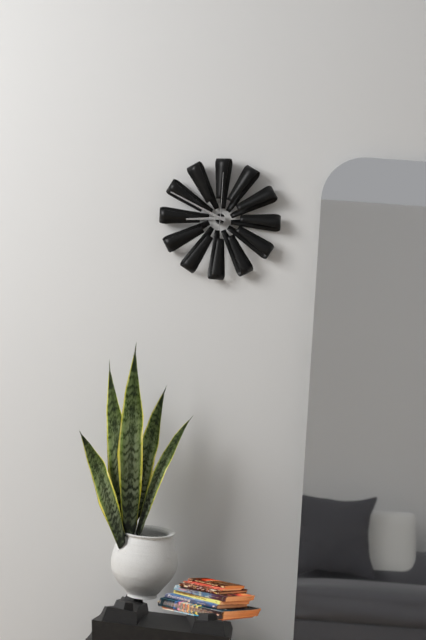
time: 8:49:00
